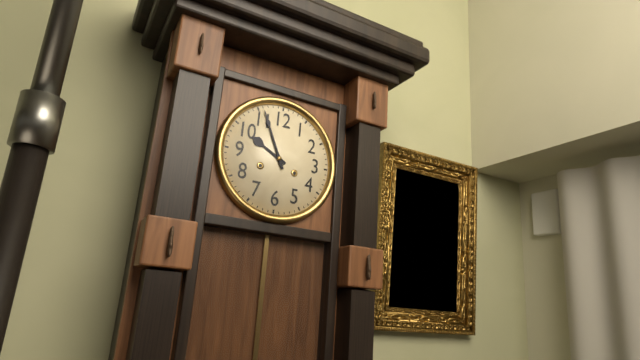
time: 9:56
